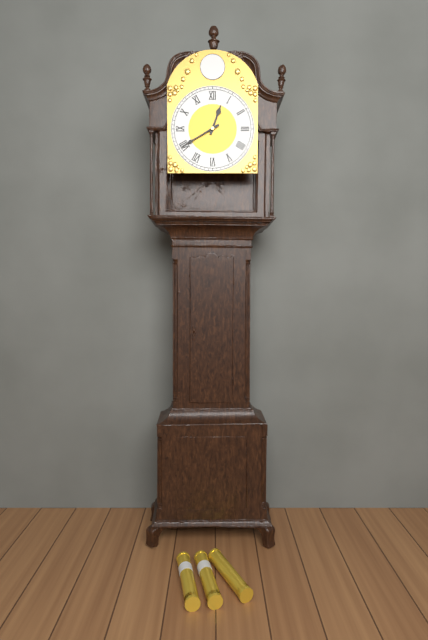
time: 12:40
